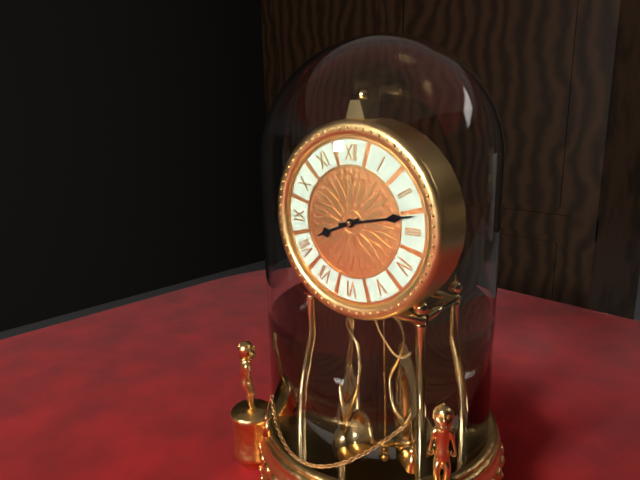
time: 8:13
